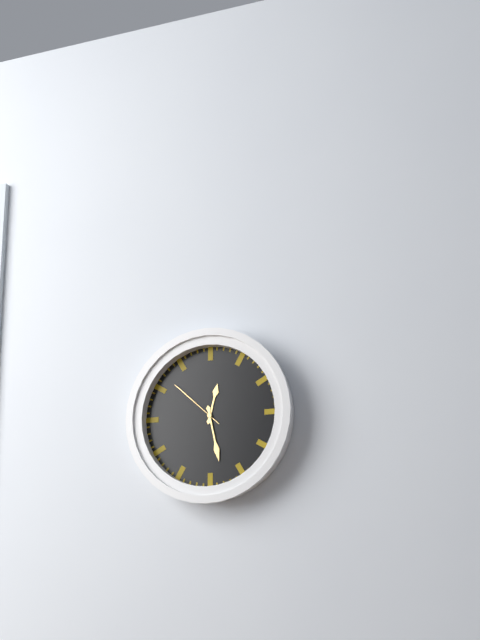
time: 12:28:52
